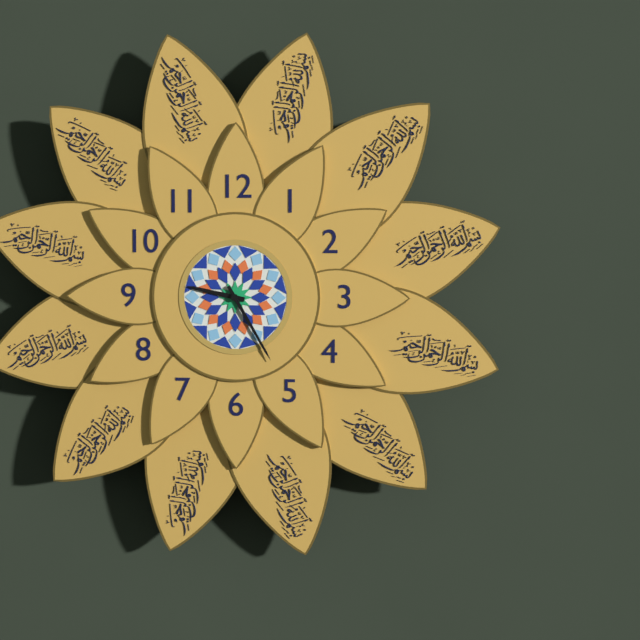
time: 9:25
